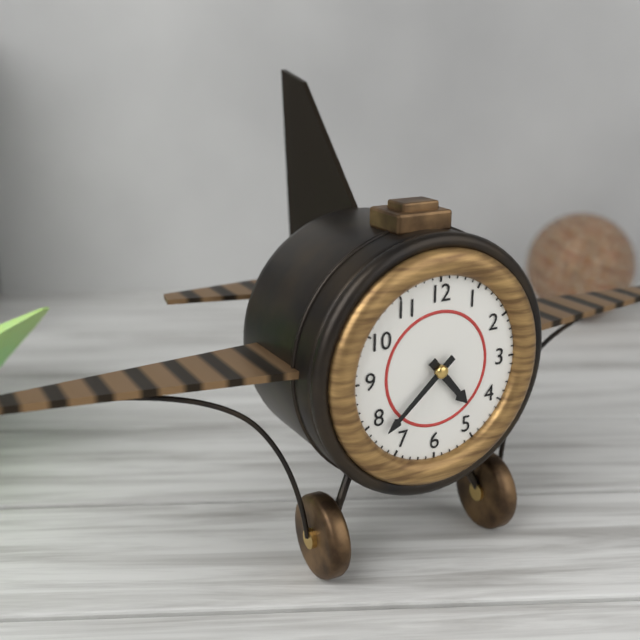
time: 4:38
